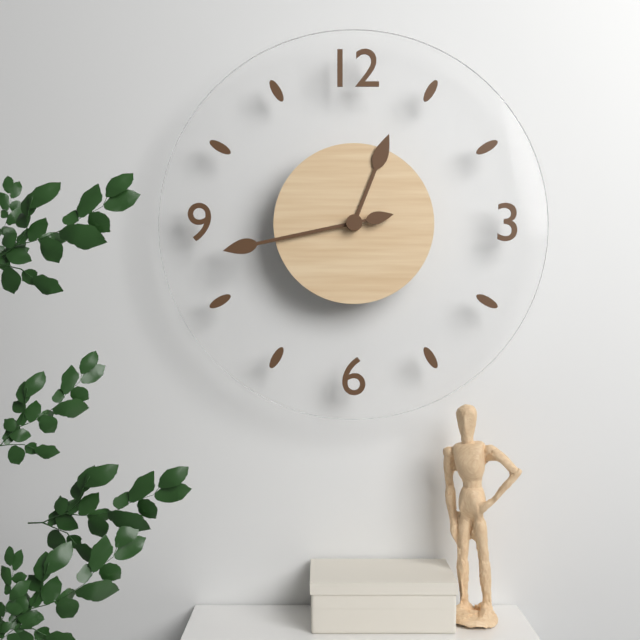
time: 12:43:13
